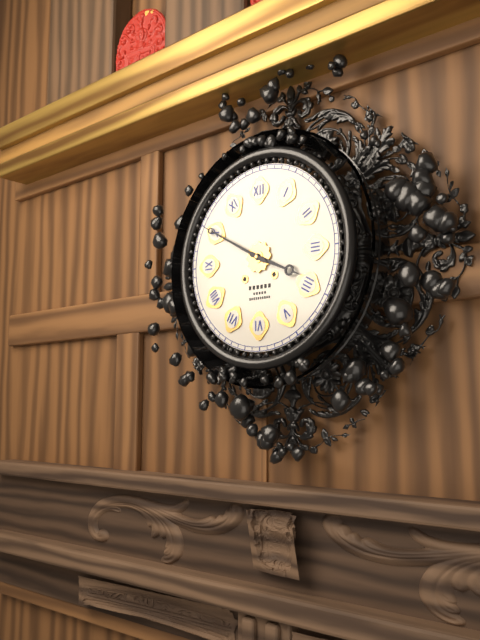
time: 3:50
